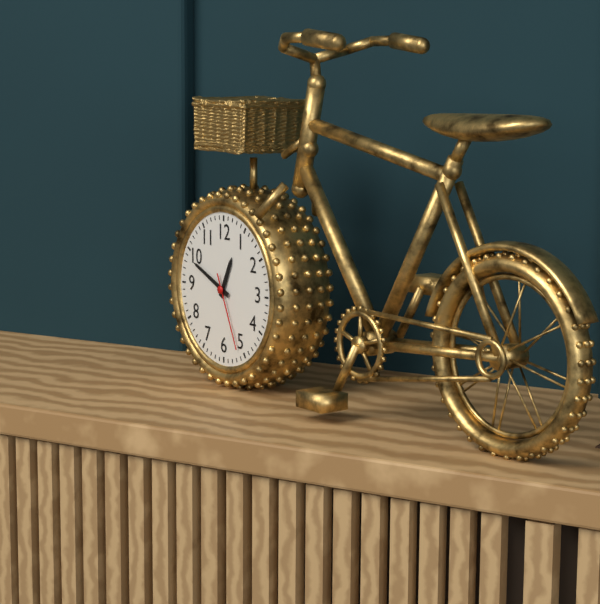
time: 12:49:26
